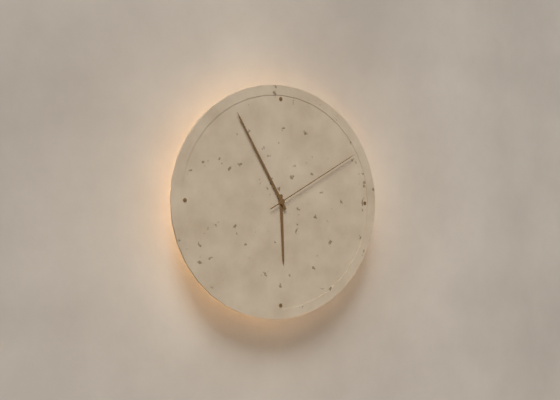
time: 5:55:10
